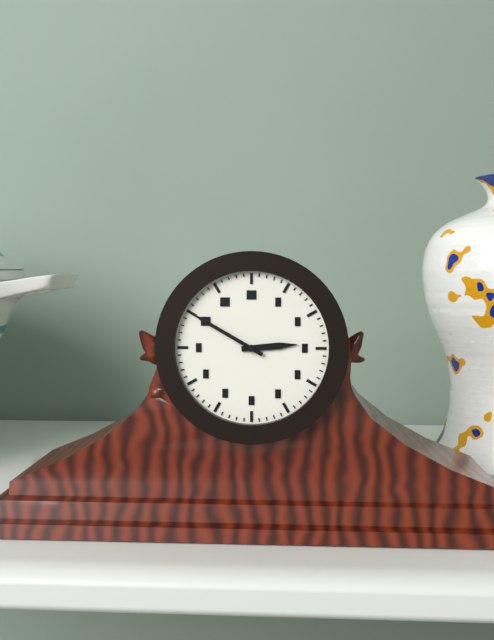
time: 2:50
